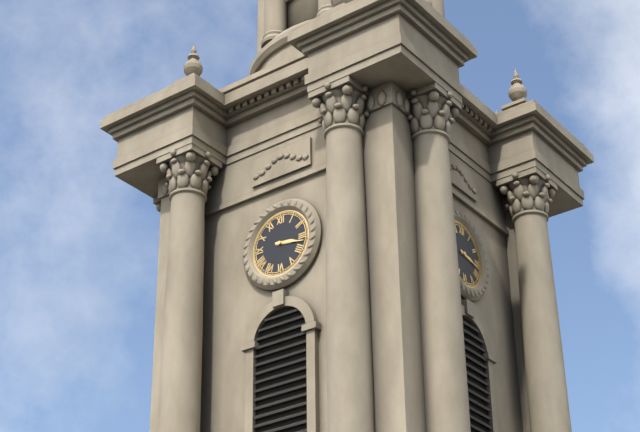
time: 3:17
